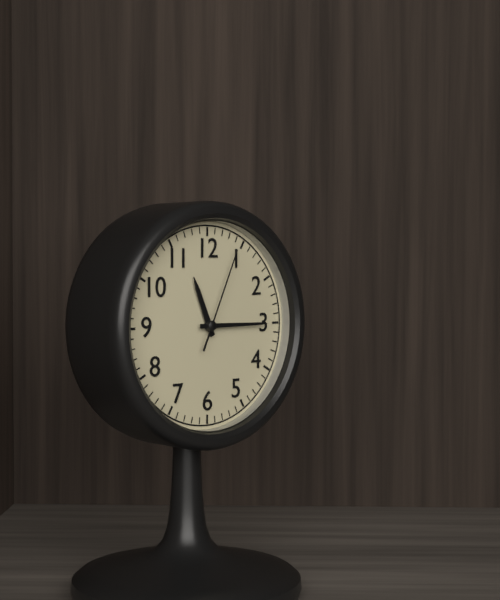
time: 11:15:04
